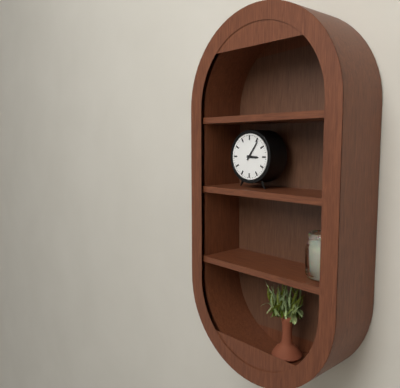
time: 3:06
